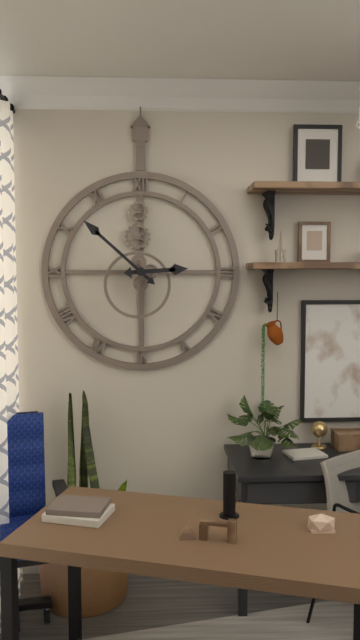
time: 2:52
